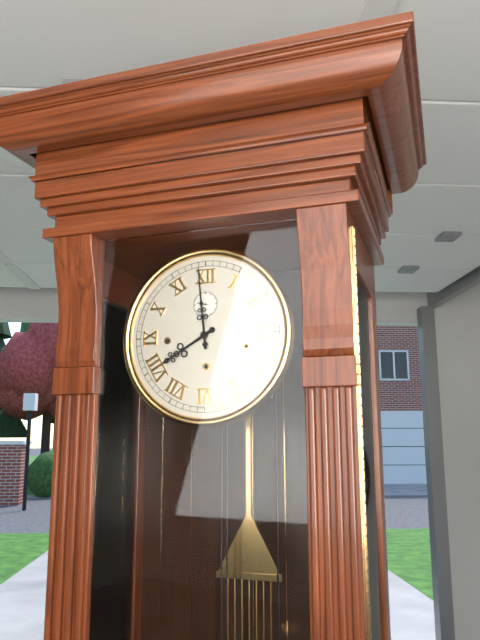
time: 7:59
